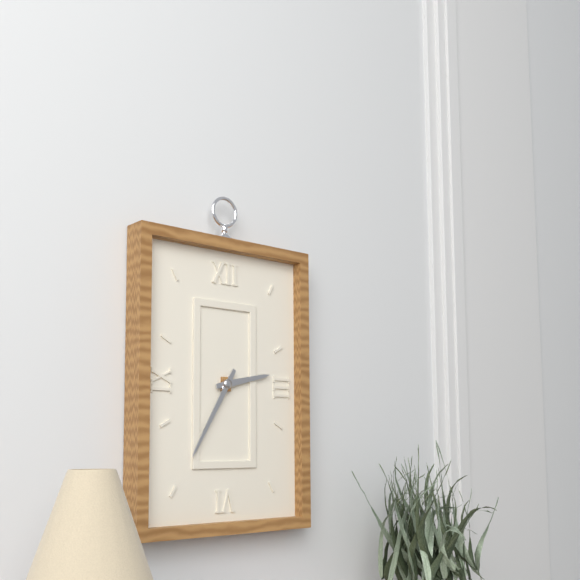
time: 2:35
